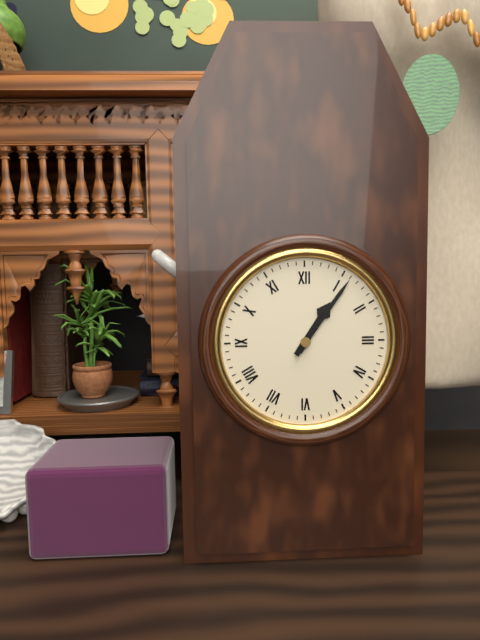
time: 1:06
